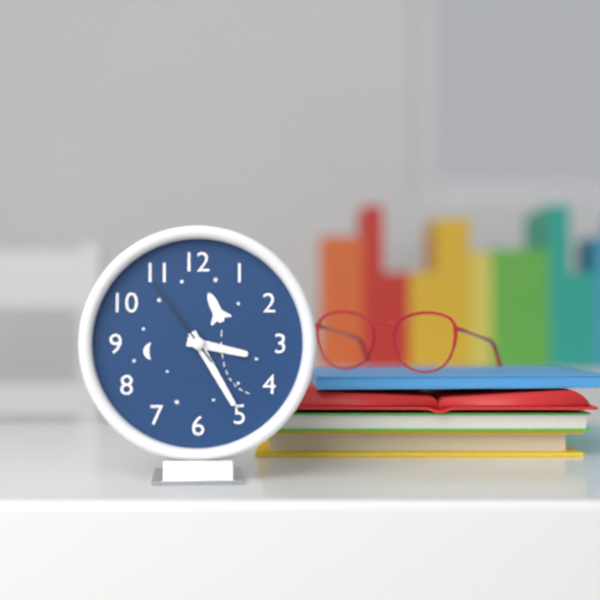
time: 3:25:54
